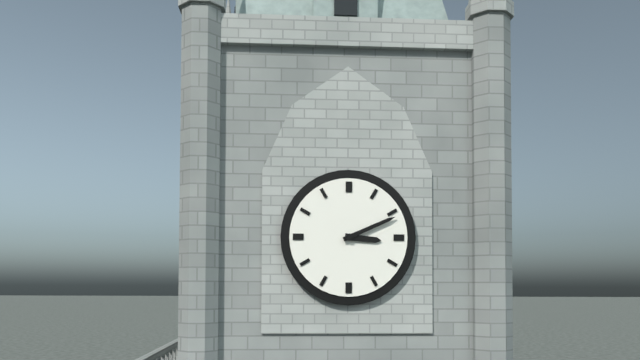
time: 3:11
